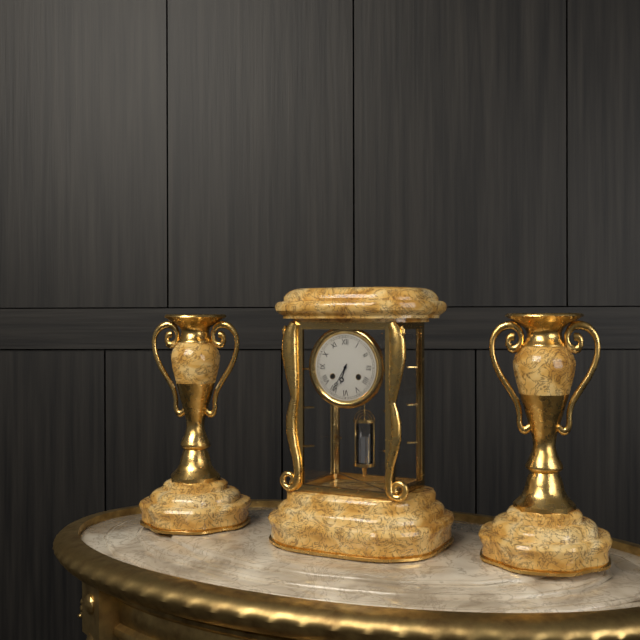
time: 6:35
